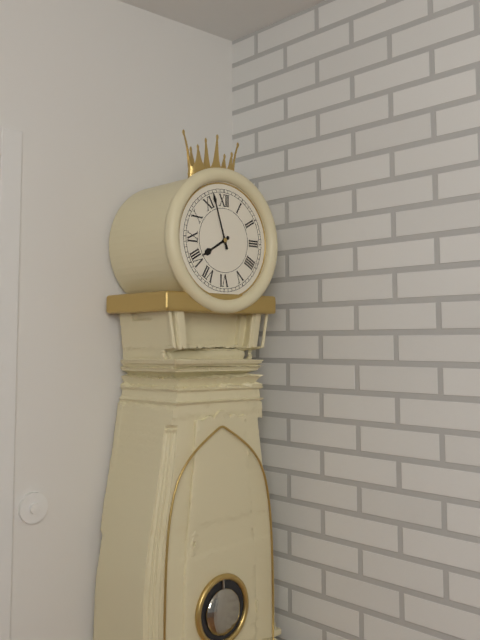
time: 7:57
